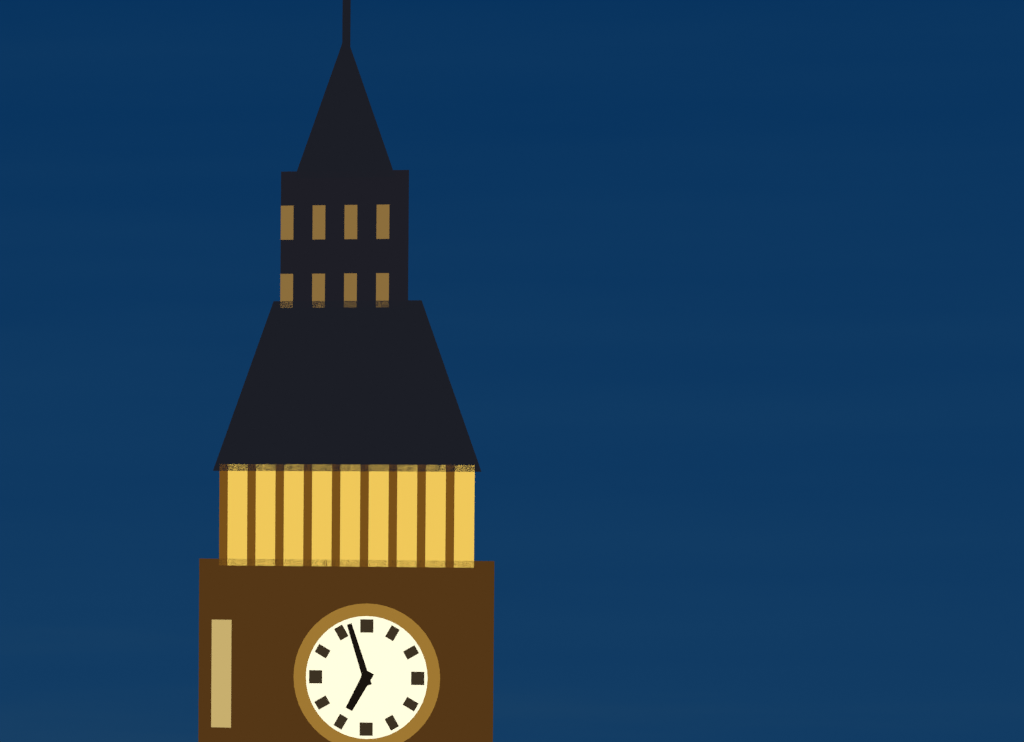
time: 6:57
